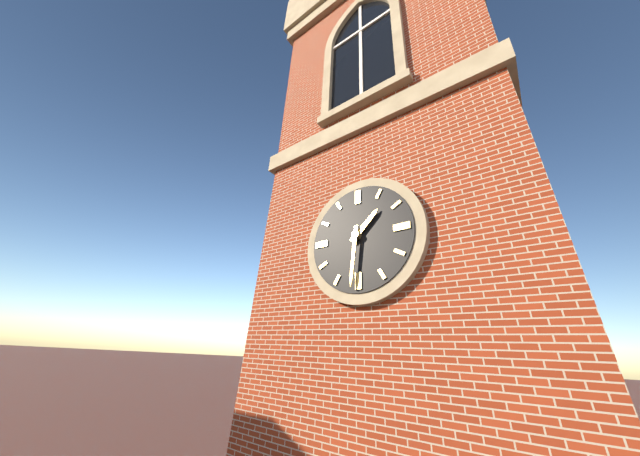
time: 1:31
